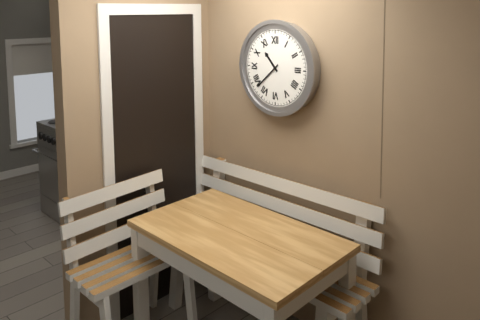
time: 10:38
